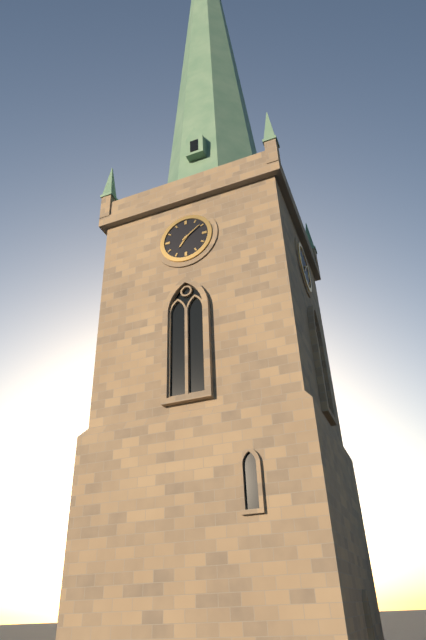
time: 7:09
